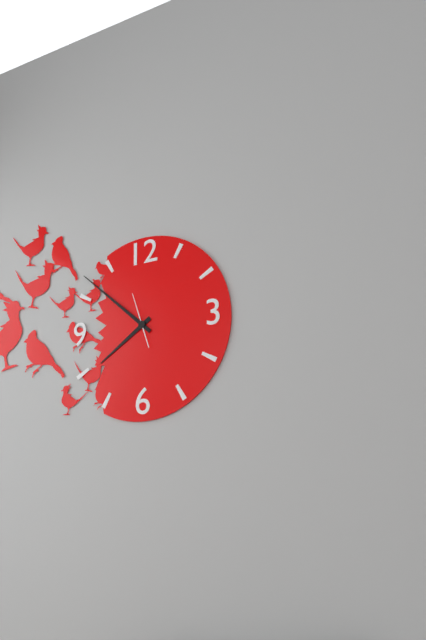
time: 7:52
